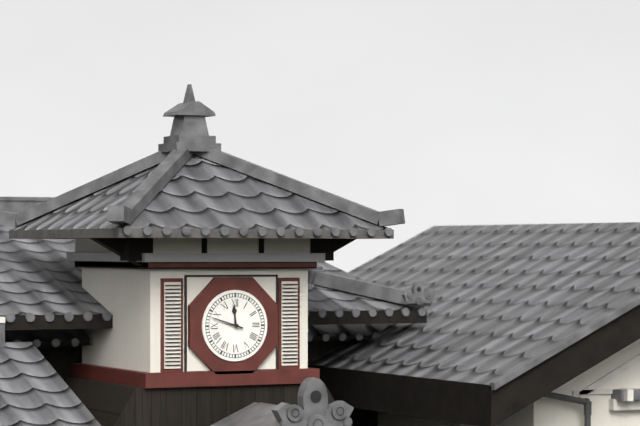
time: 11:48
